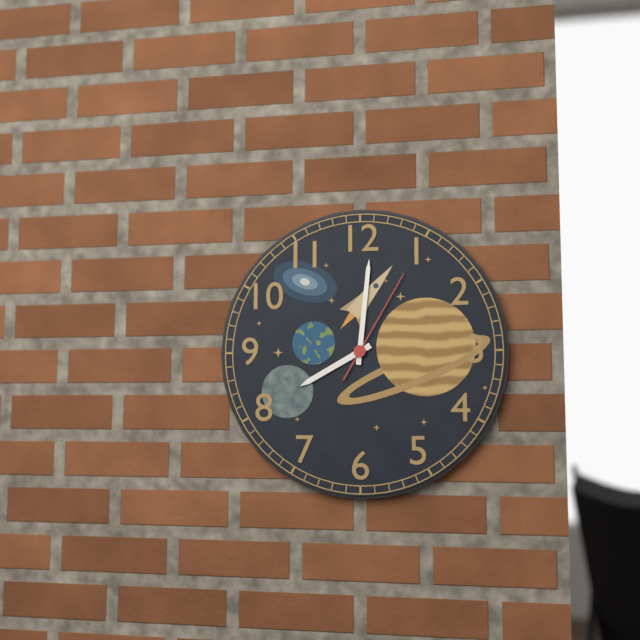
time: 8:01:05
